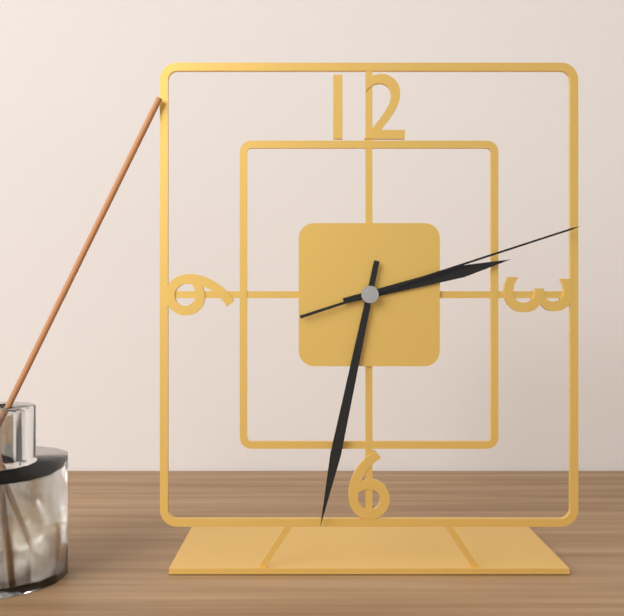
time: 2:32:12
